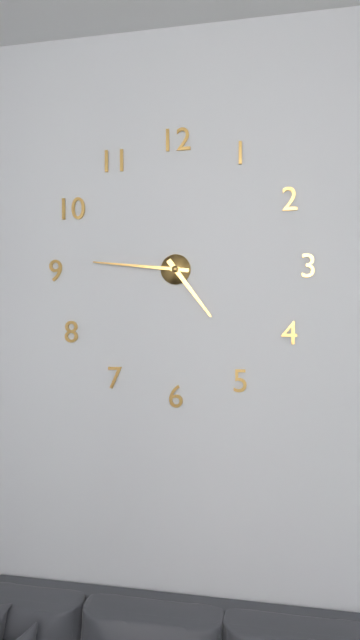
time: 4:46
